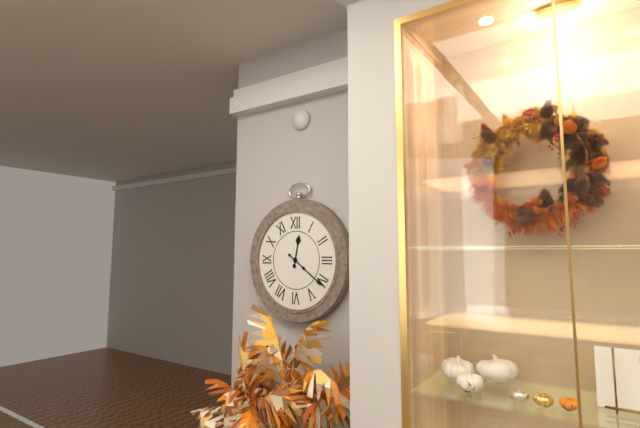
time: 12:21
